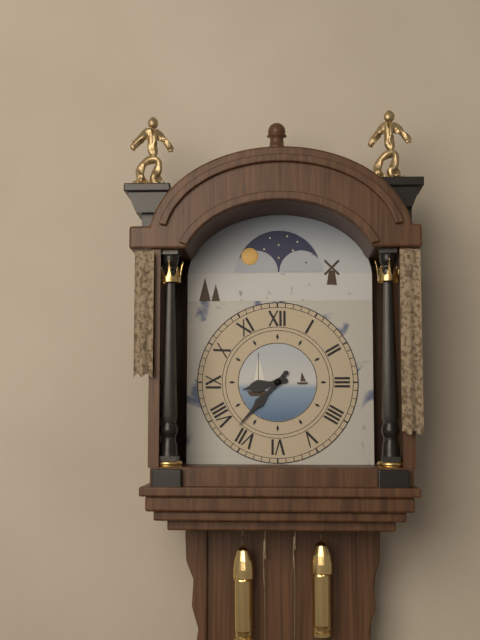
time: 8:37
